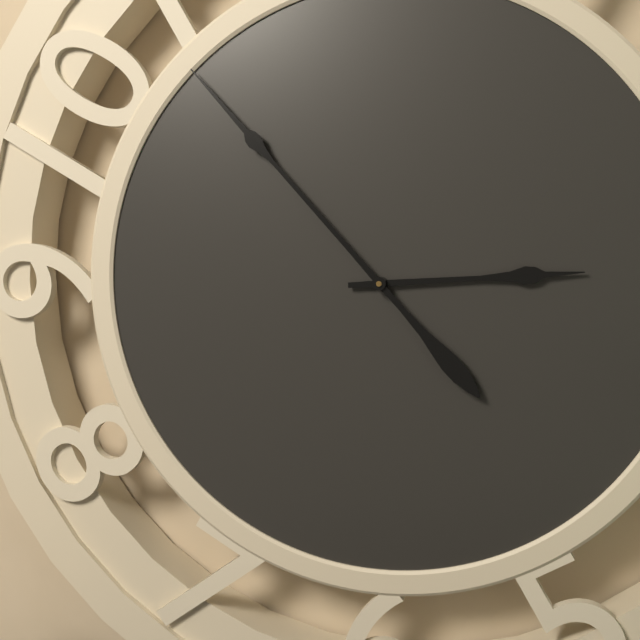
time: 2:53
